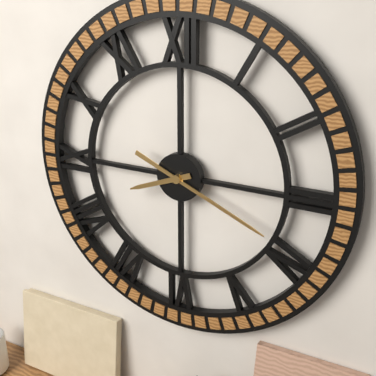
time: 8:19
